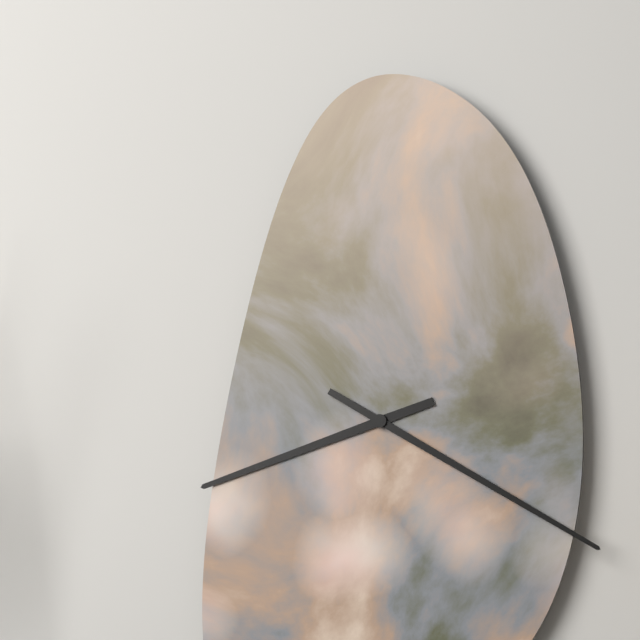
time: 8:20
